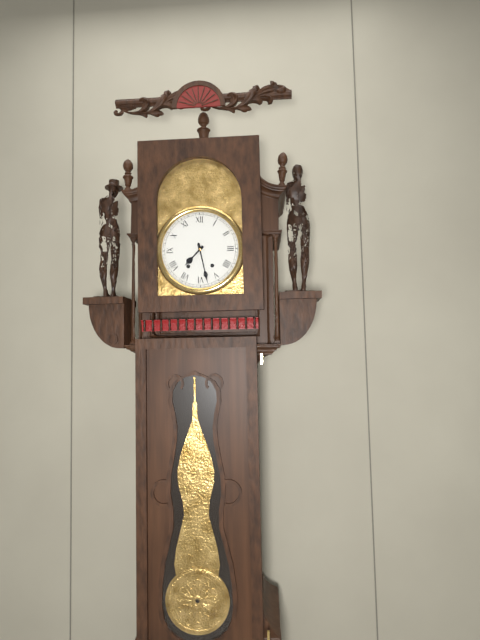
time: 7:28
